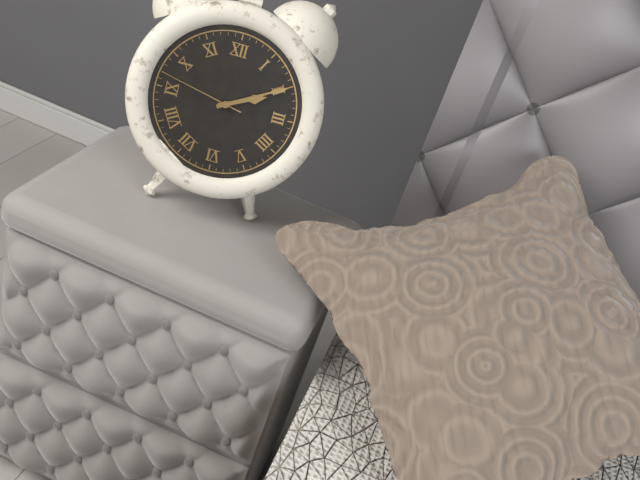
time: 2:10:47
